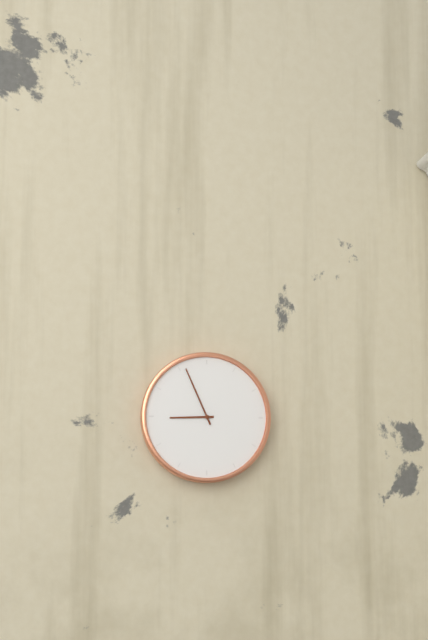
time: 8:56
